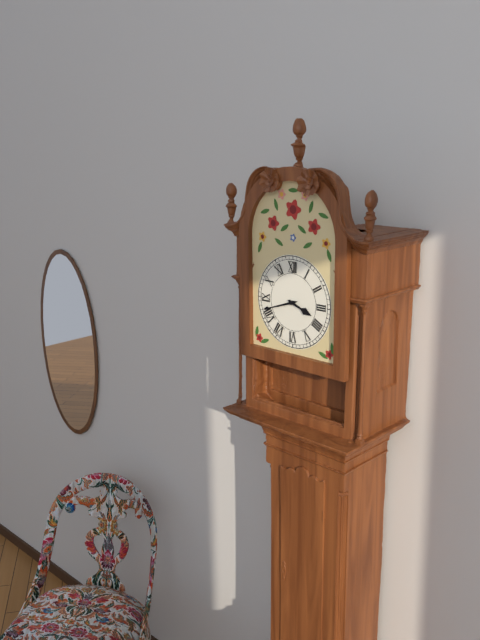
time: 3:42
